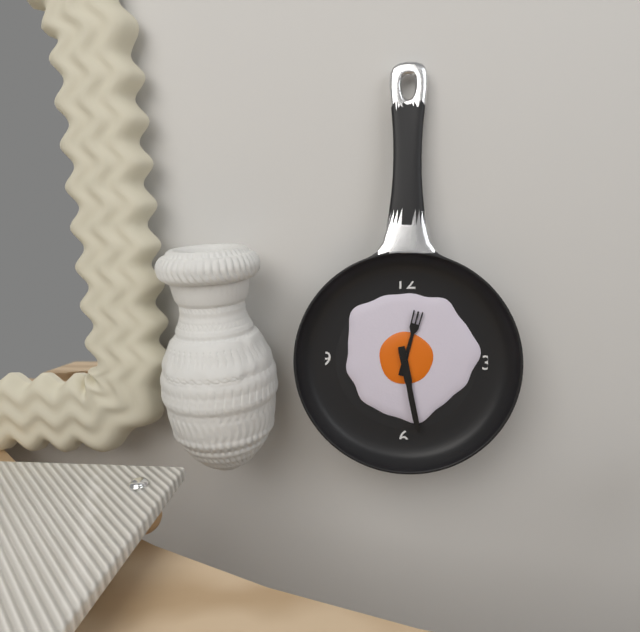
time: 12:28
